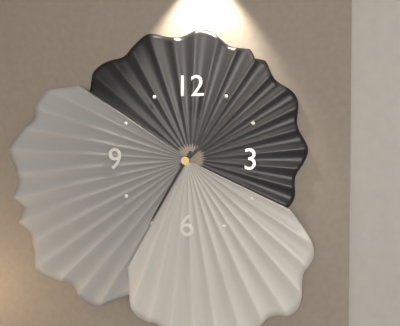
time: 1:35
